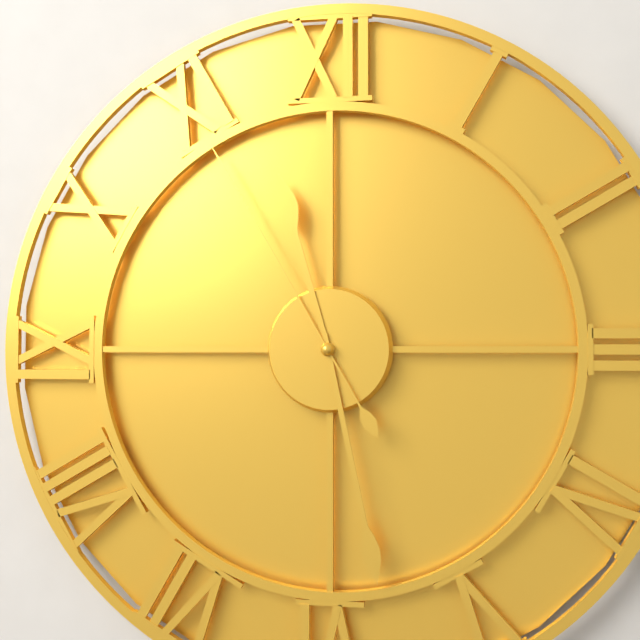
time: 11:28:55
